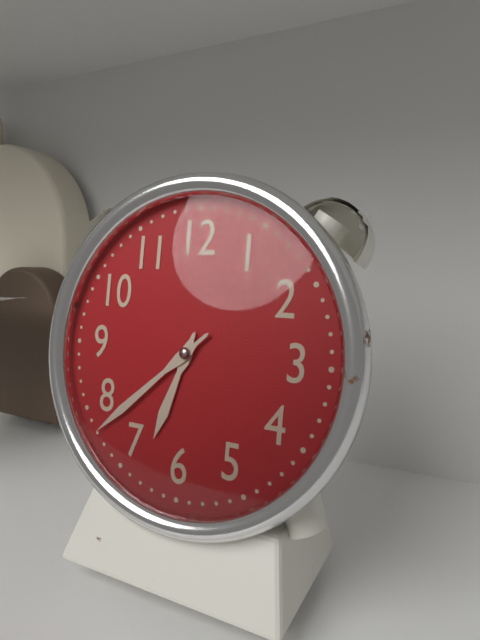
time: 6:38
